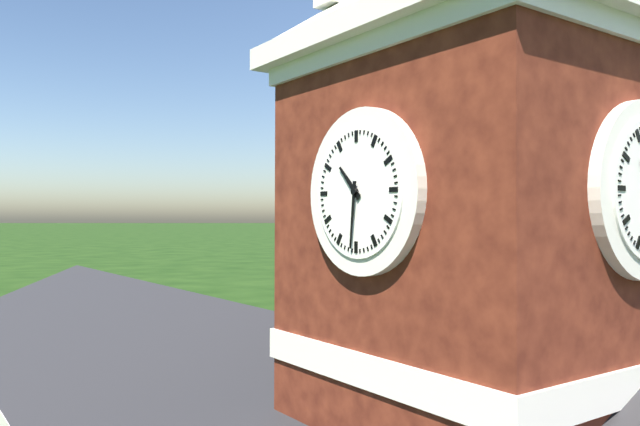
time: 10:31
